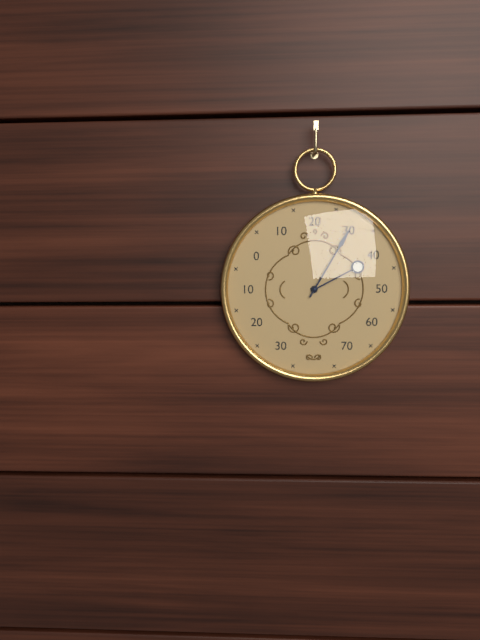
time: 2:05
